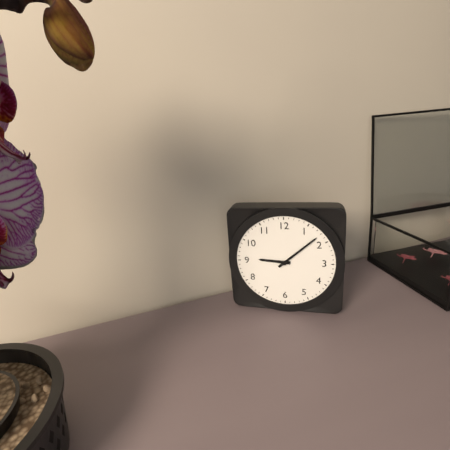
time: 9:08
